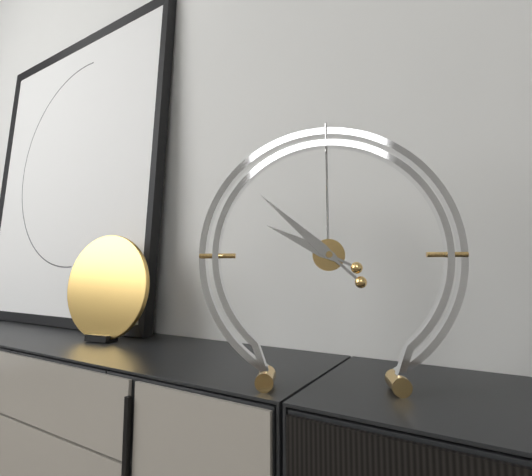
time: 9:52
